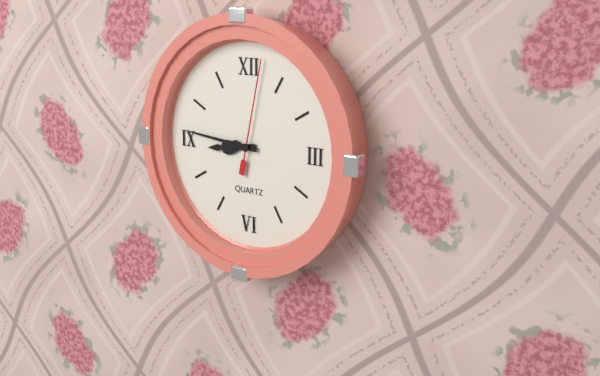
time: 8:46:02
